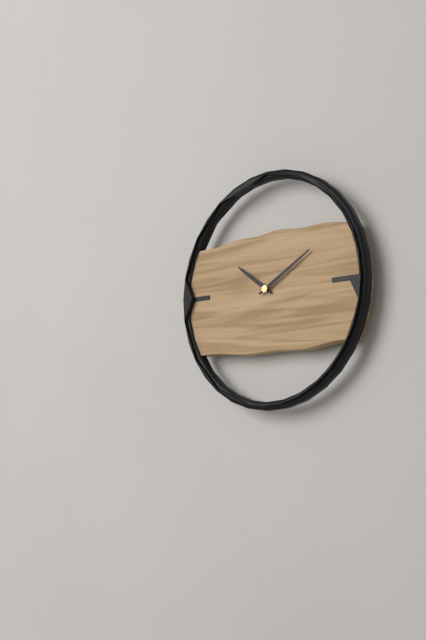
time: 10:10
